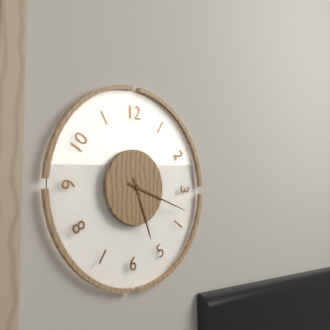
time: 5:18
